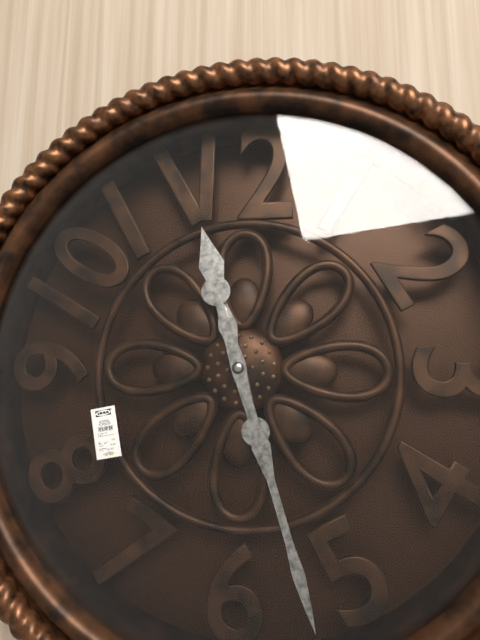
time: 11:27
